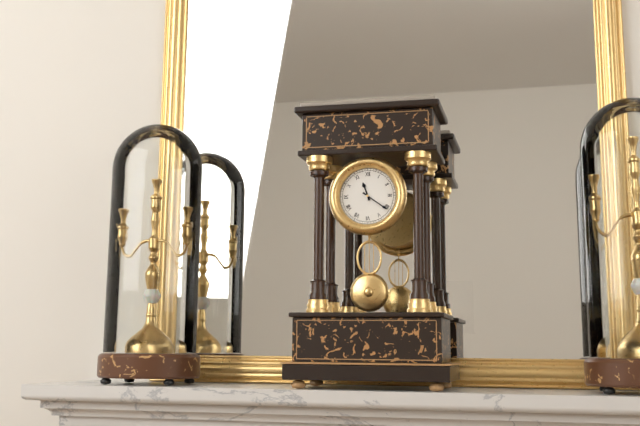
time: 11:21
